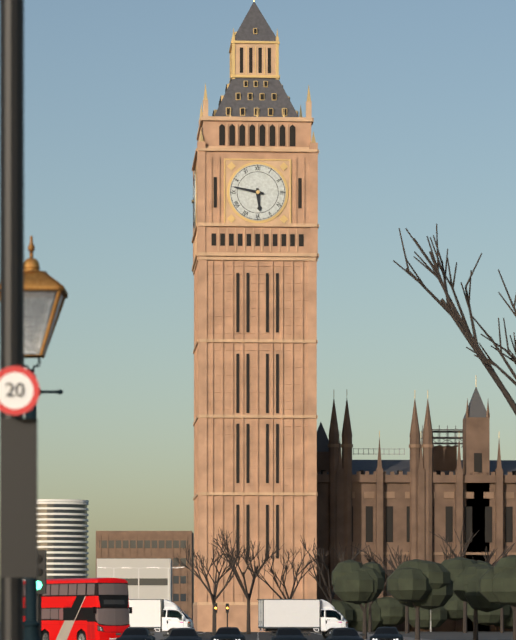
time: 5:47
